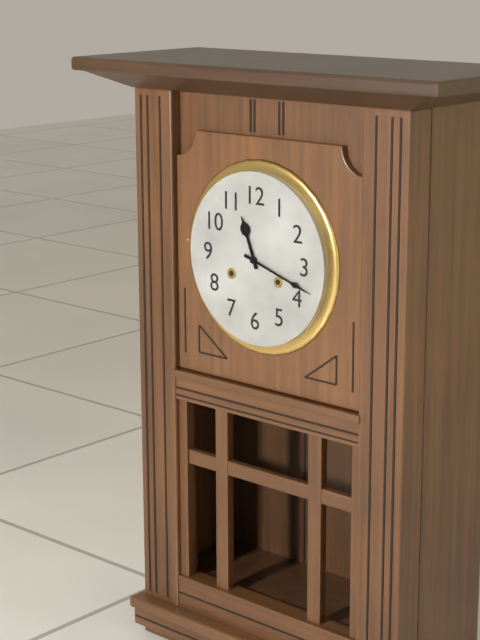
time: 11:18
